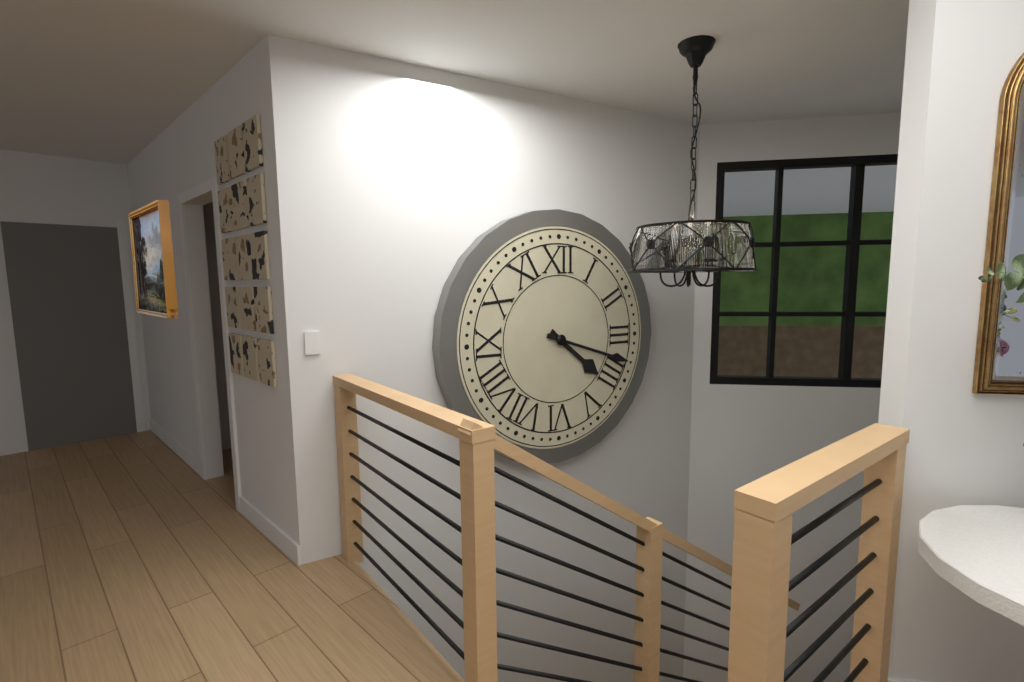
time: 4:18
